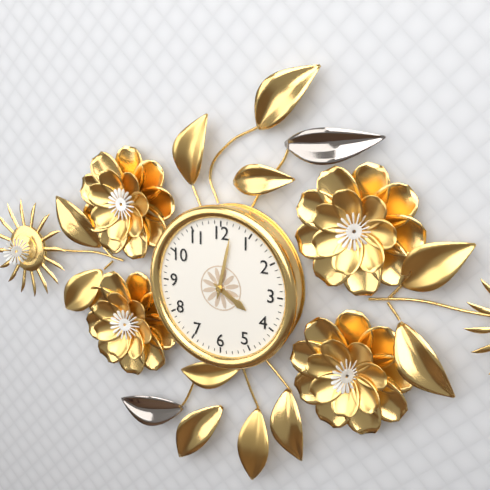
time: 4:02
